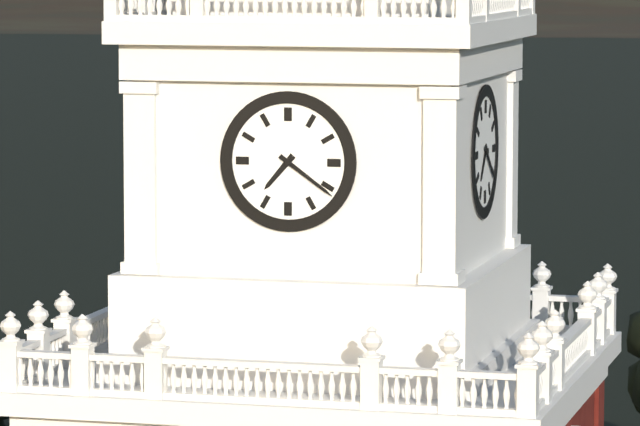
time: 7:21
